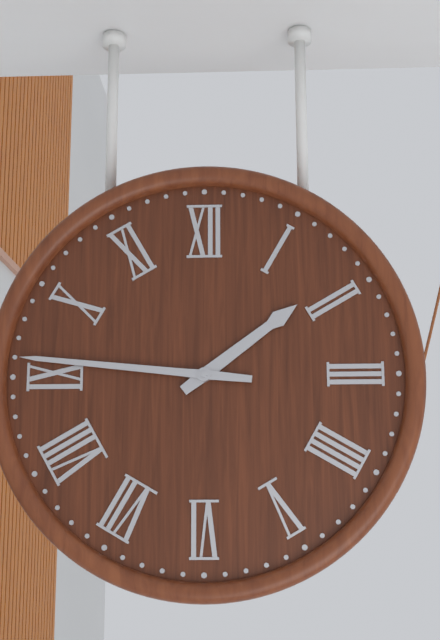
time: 1:46
